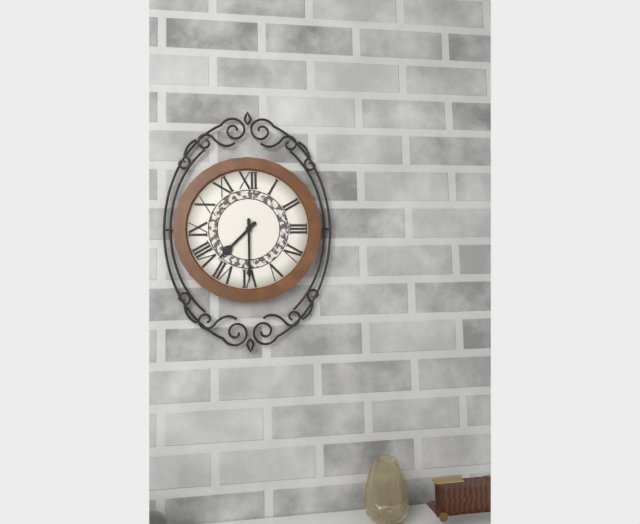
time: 7:30
